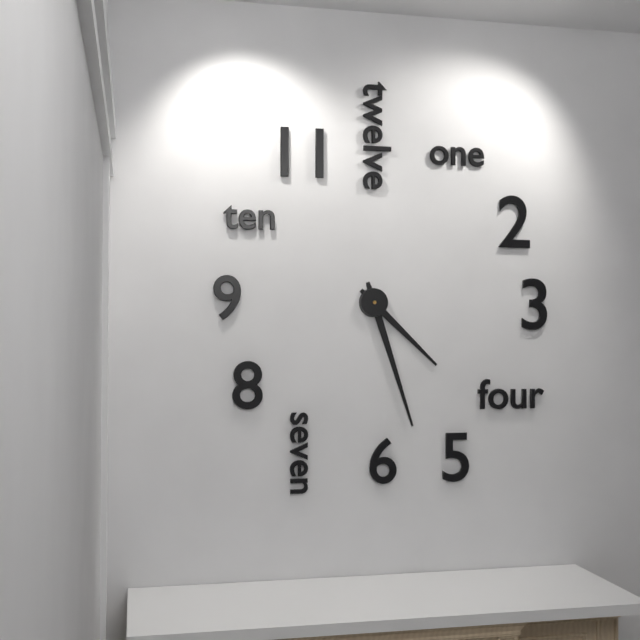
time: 4:27
